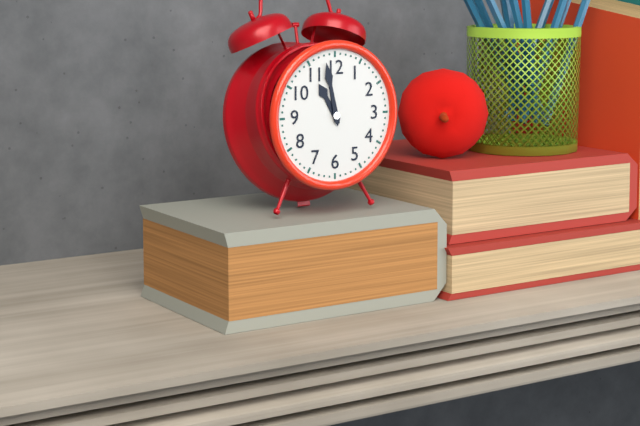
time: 10:58
